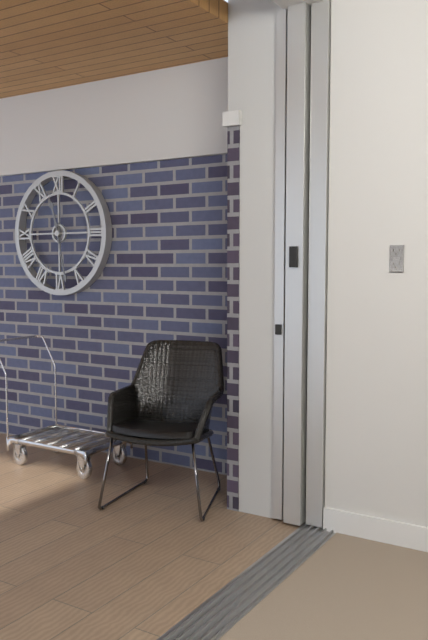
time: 11:28
